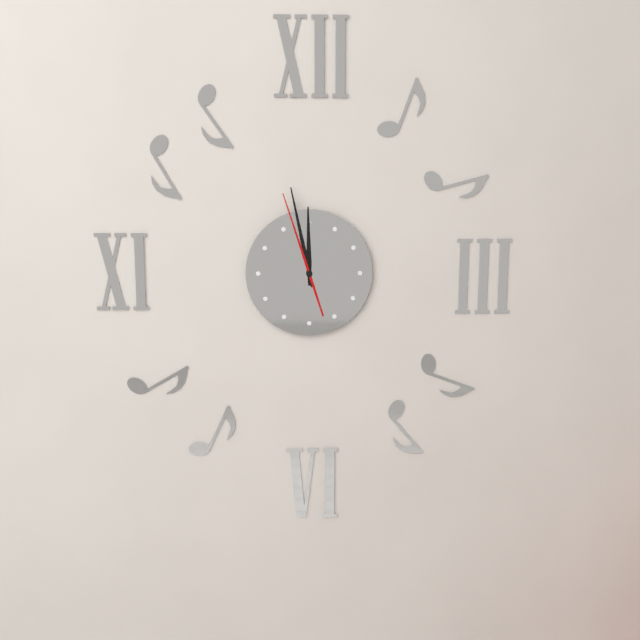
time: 11:58:57
